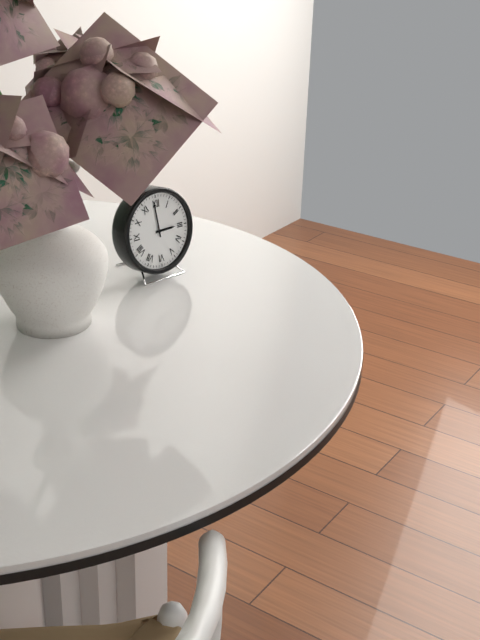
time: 2:59
